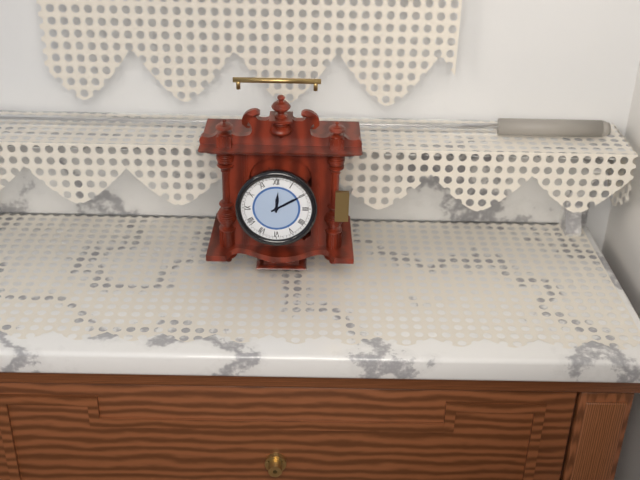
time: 12:10
